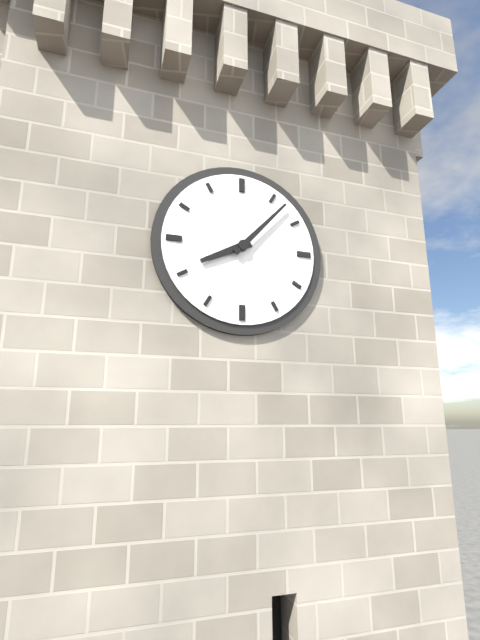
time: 8:07
